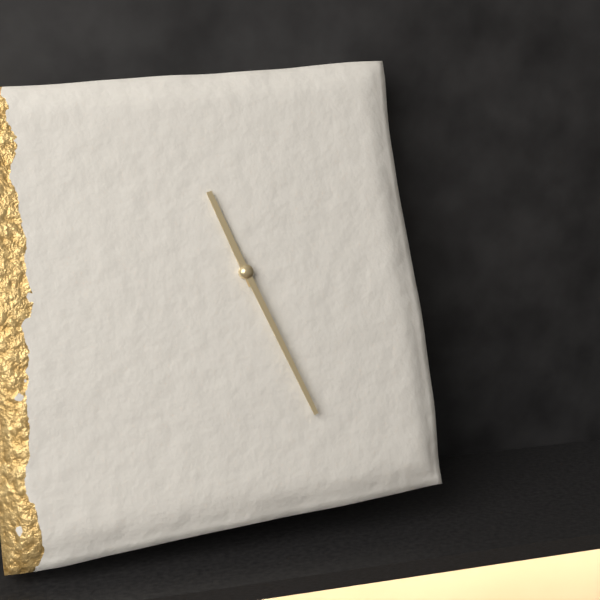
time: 11:27
